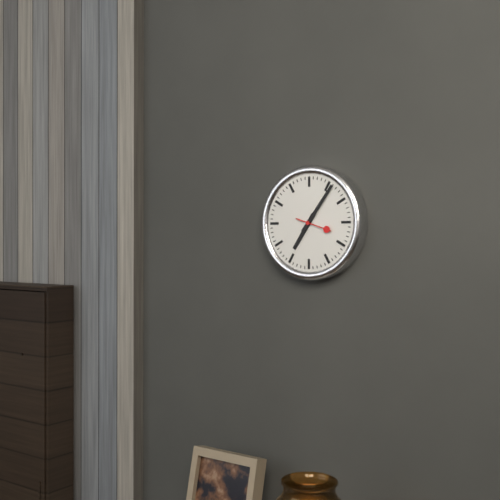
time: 7:06
